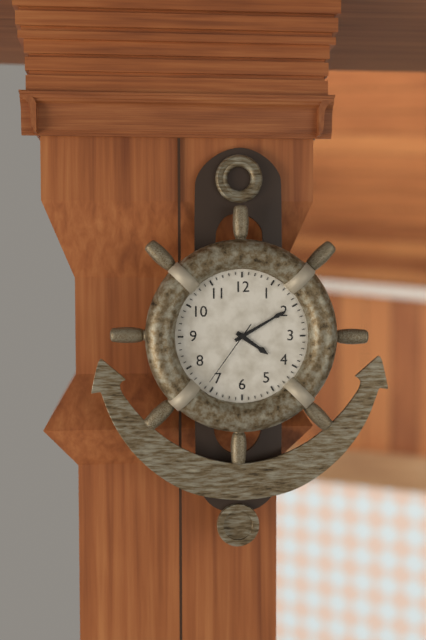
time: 4:10:36
